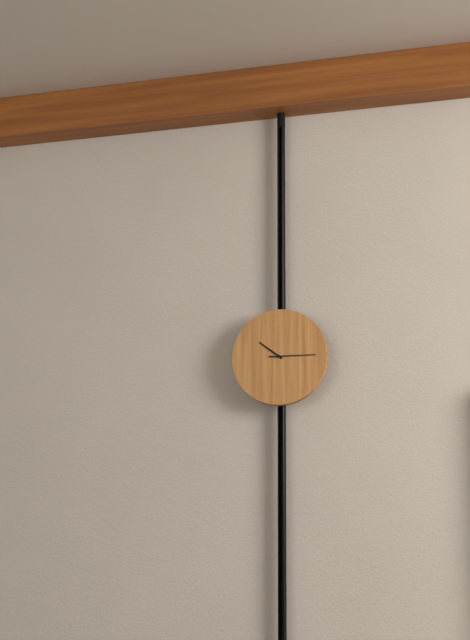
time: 10:15
